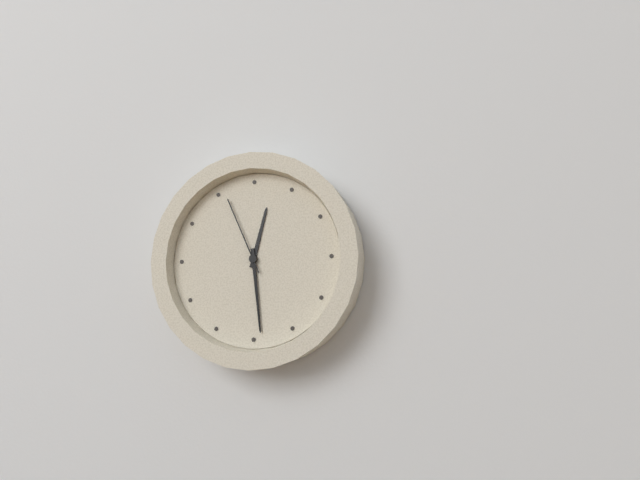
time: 12:29:56
